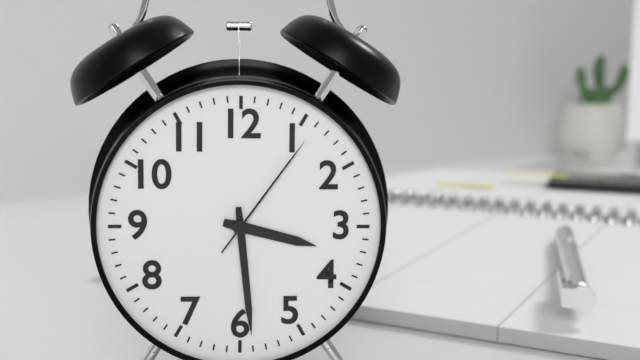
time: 3:29:06
